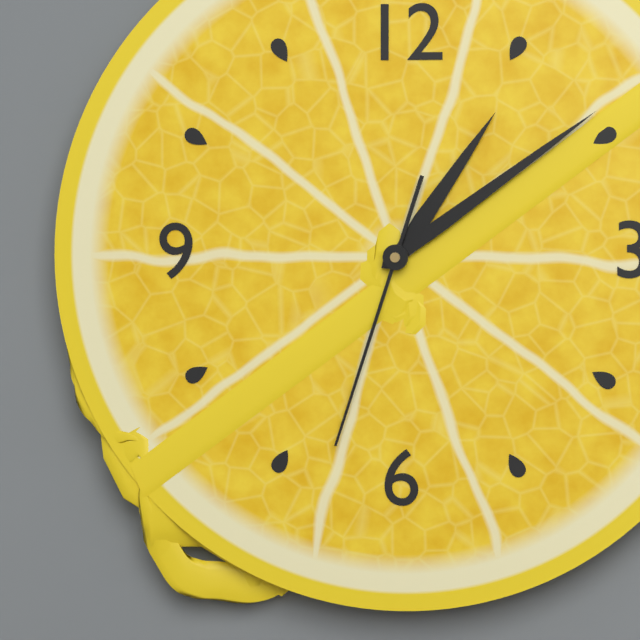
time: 1:09:33
